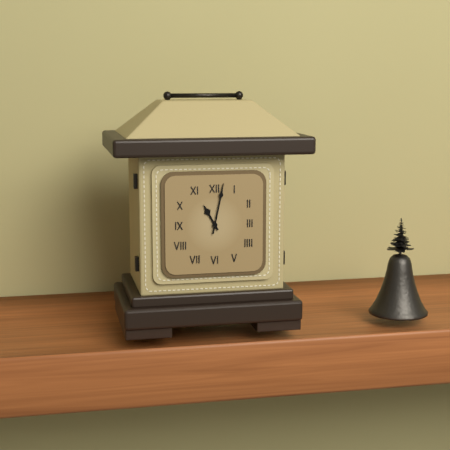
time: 11:02
